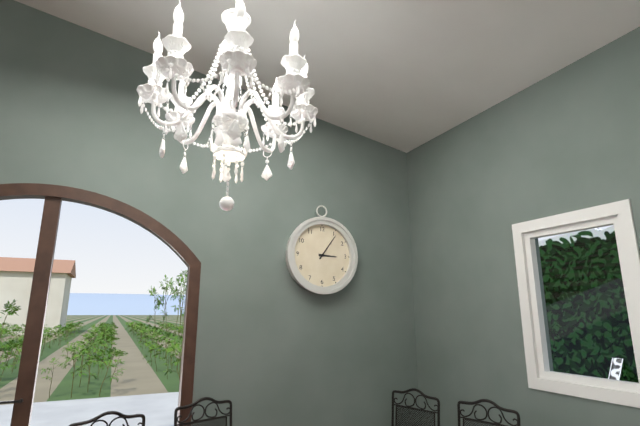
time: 3:06
